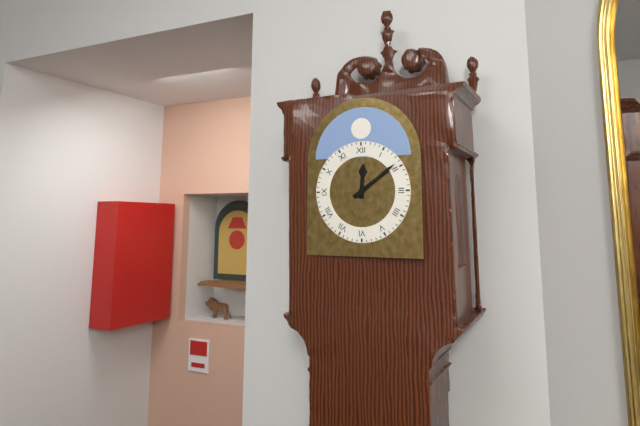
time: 12:09
